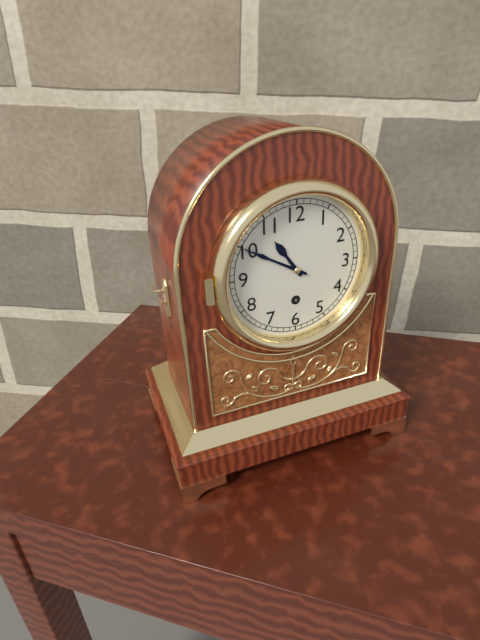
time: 10:50
